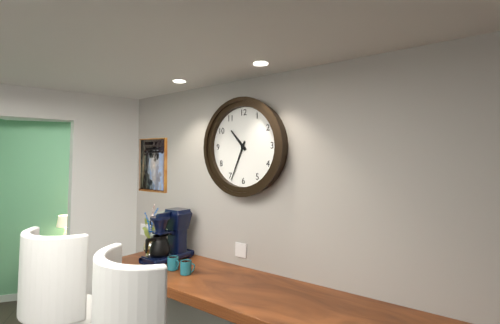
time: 10:34
